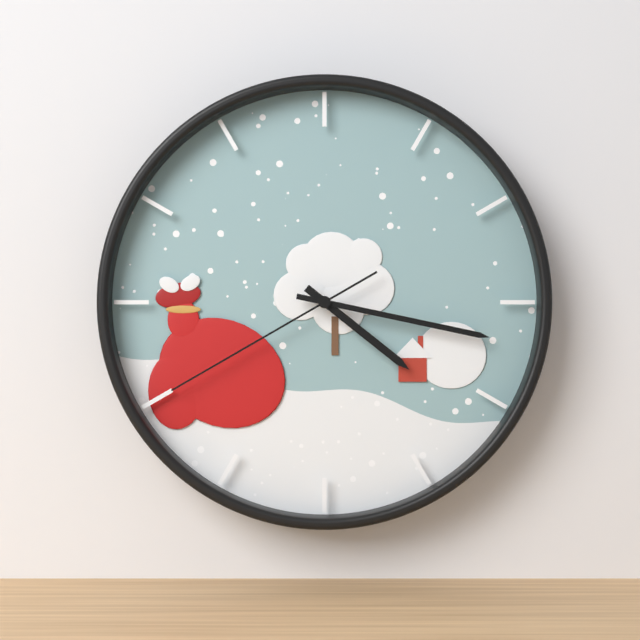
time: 4:17:40
